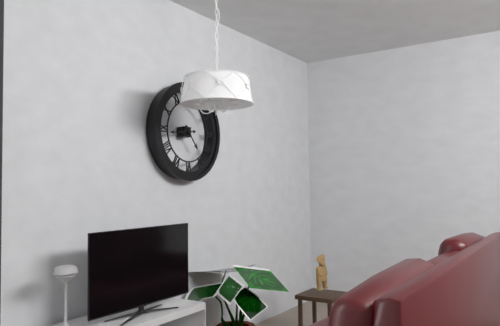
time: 4:44
